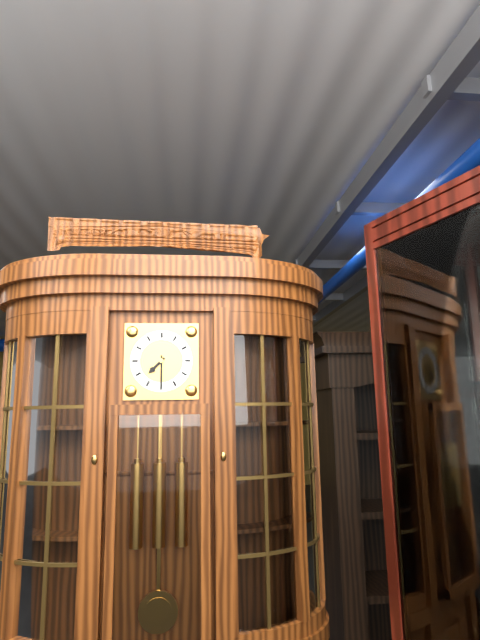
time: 7:30
